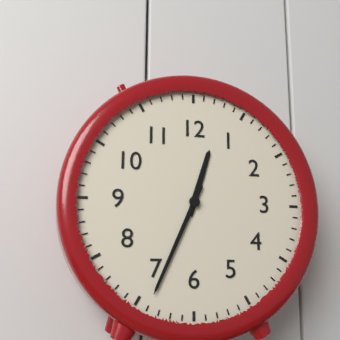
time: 12:34
